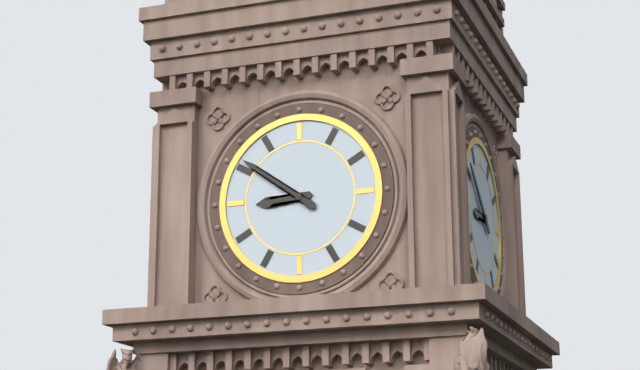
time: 8:51
